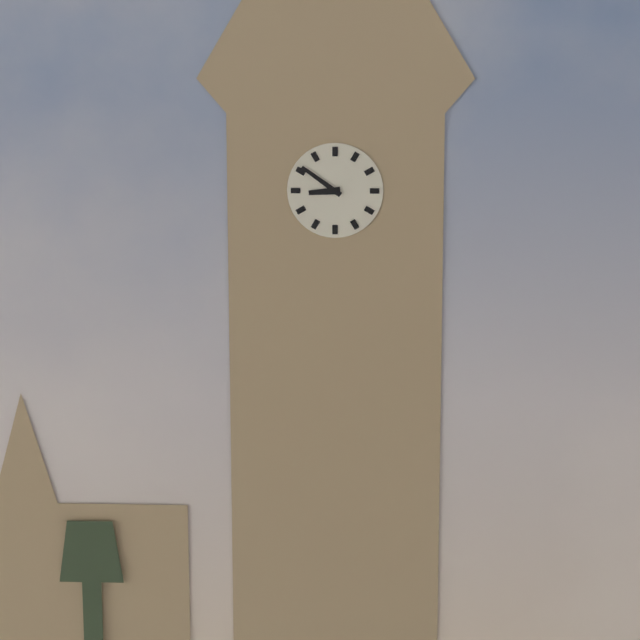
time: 8:51
